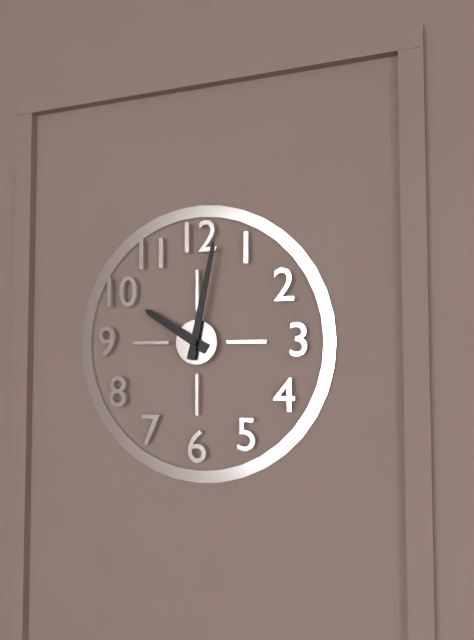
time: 10:02
